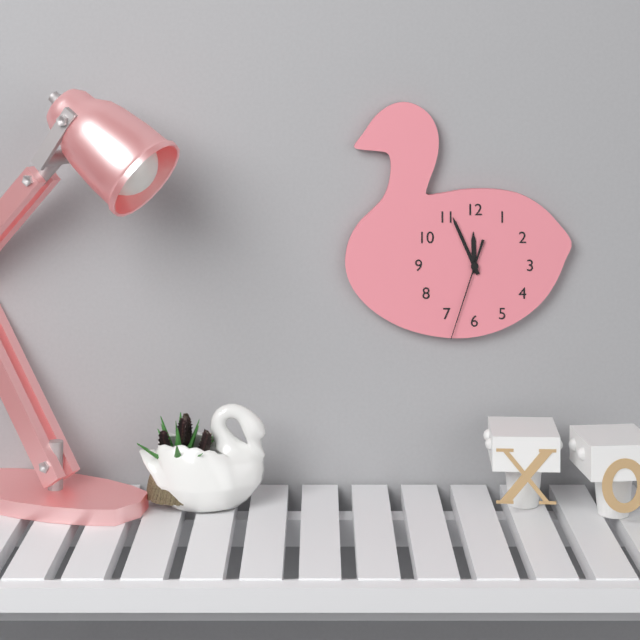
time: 11:56:33
